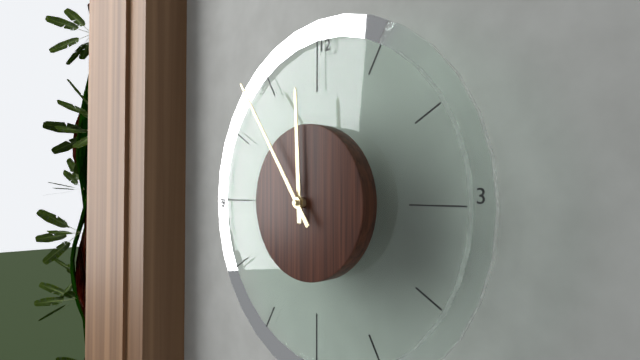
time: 11:54
